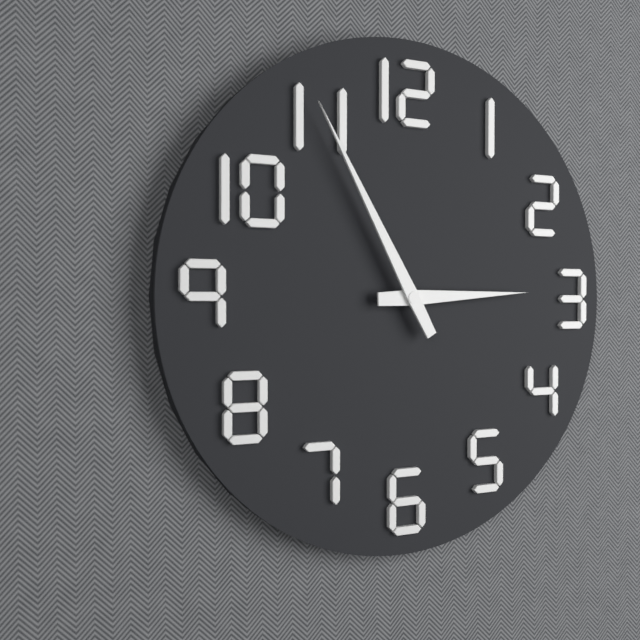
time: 2:55
